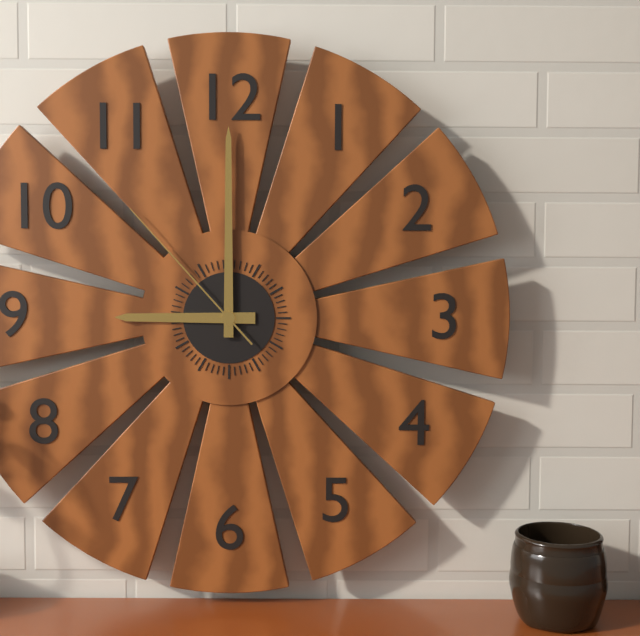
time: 9:00:53
